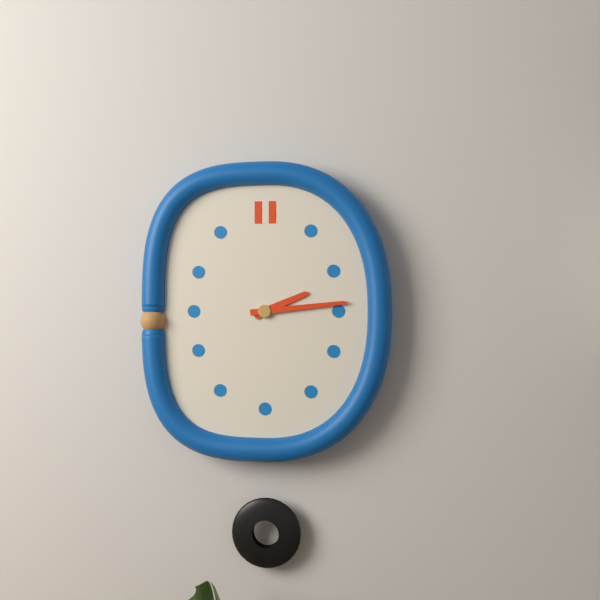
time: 2:14
